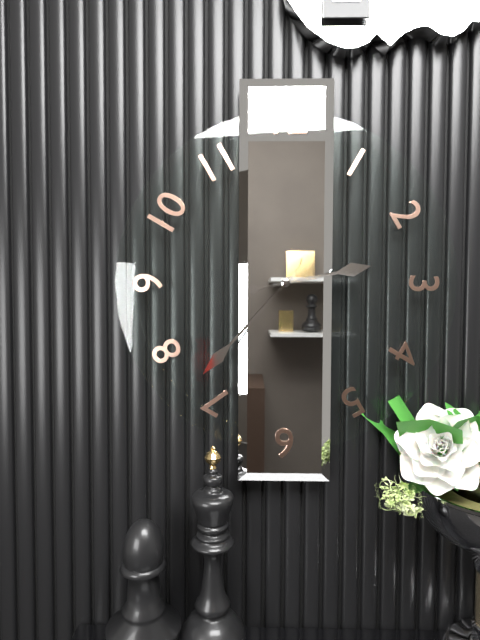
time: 2:37
